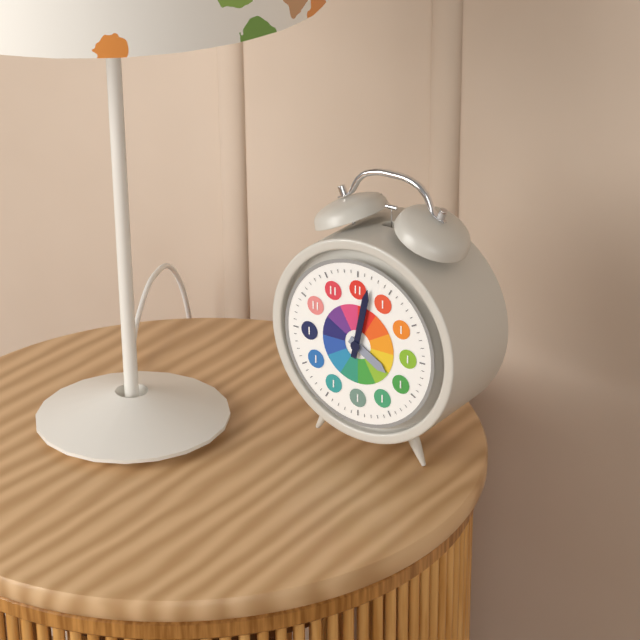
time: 4:02
